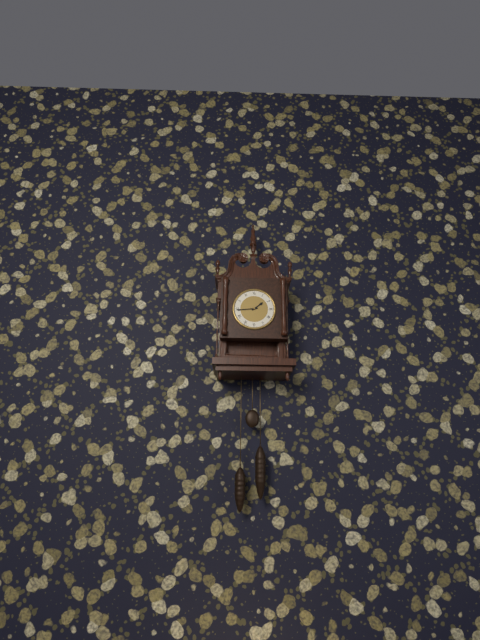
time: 1:44
